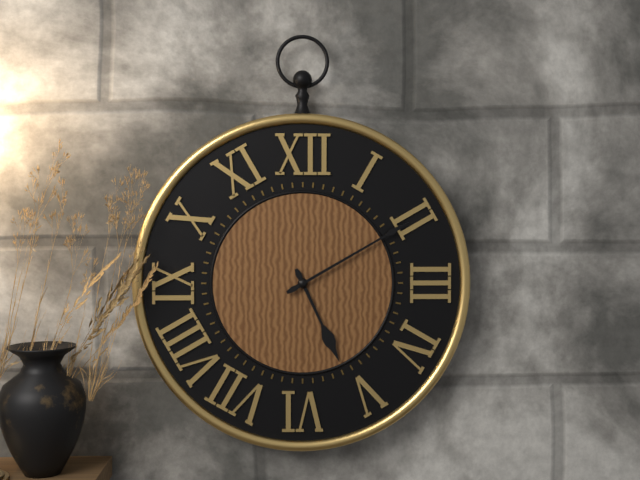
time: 5:10
